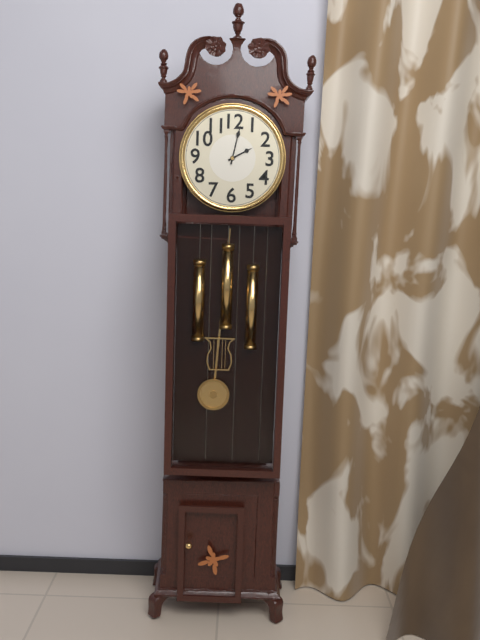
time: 2:02
